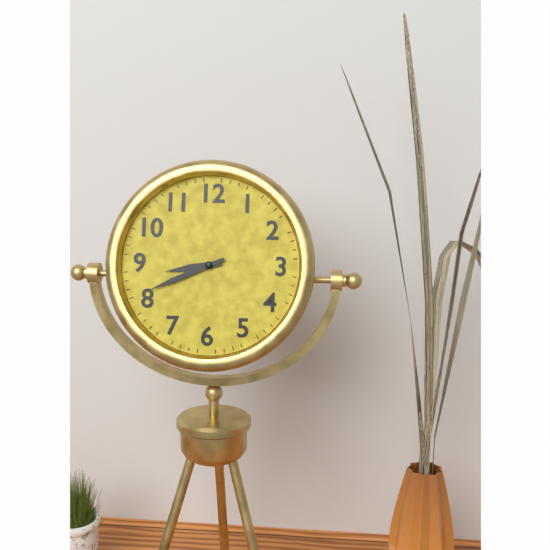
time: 8:41
